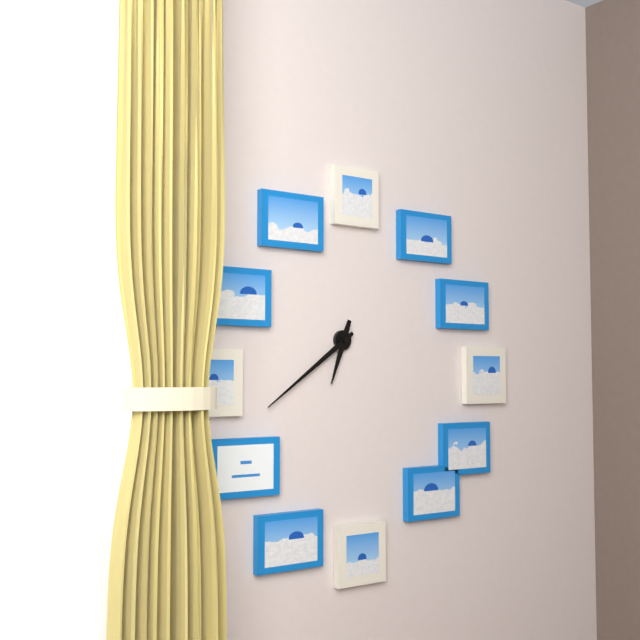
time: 6:39
